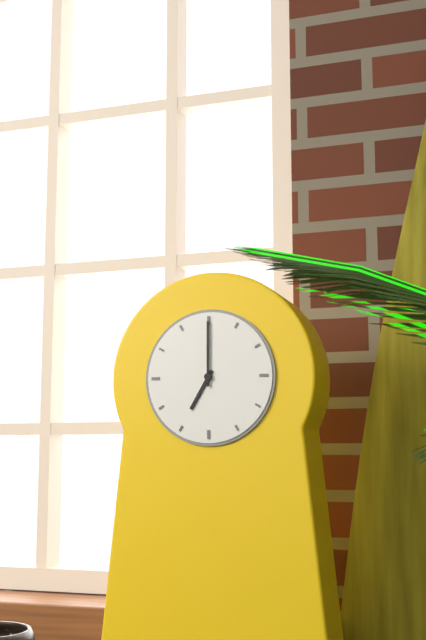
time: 7:00
